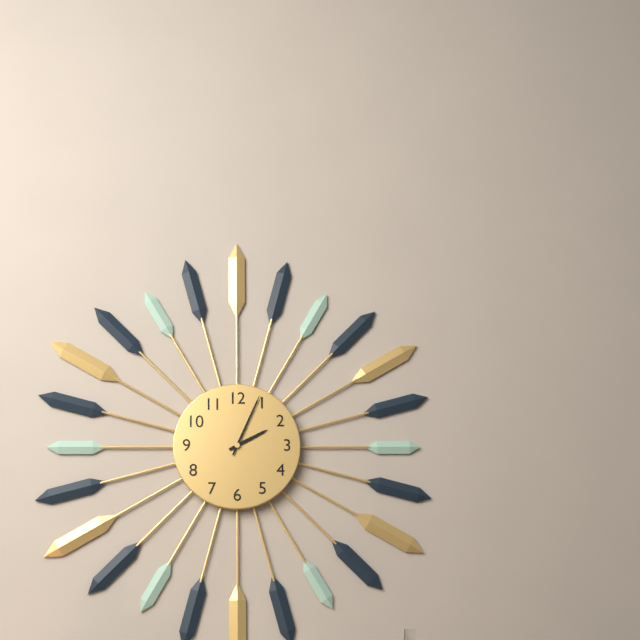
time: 2:04
